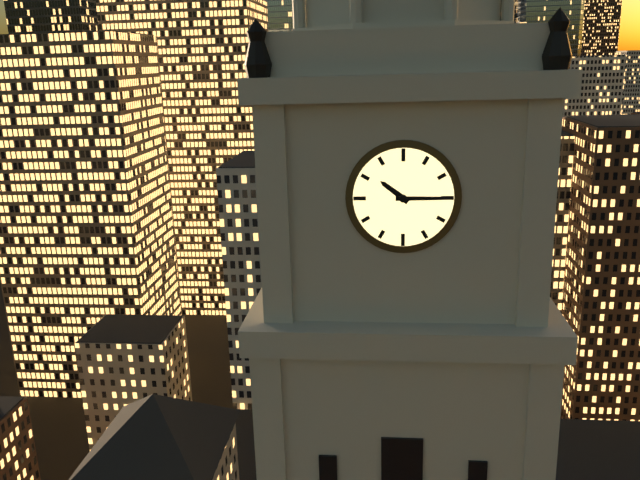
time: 10:15
